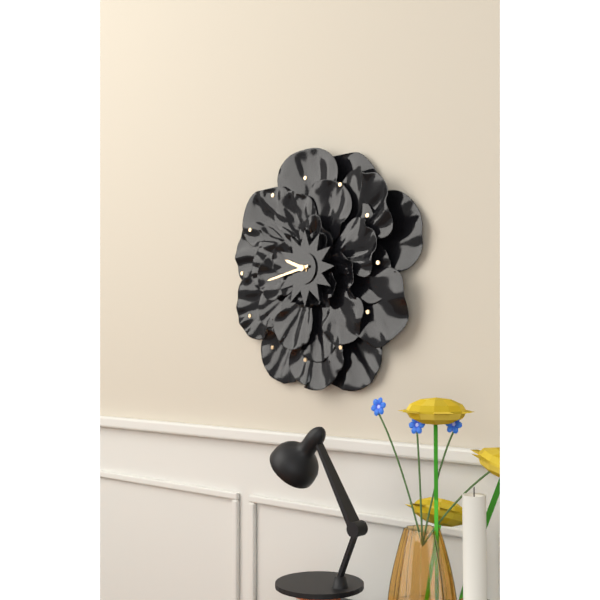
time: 9:43
